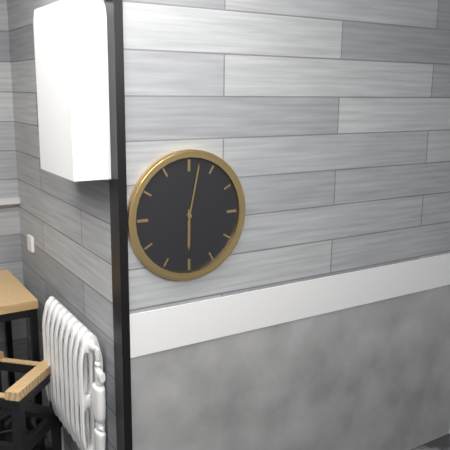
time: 6:02
